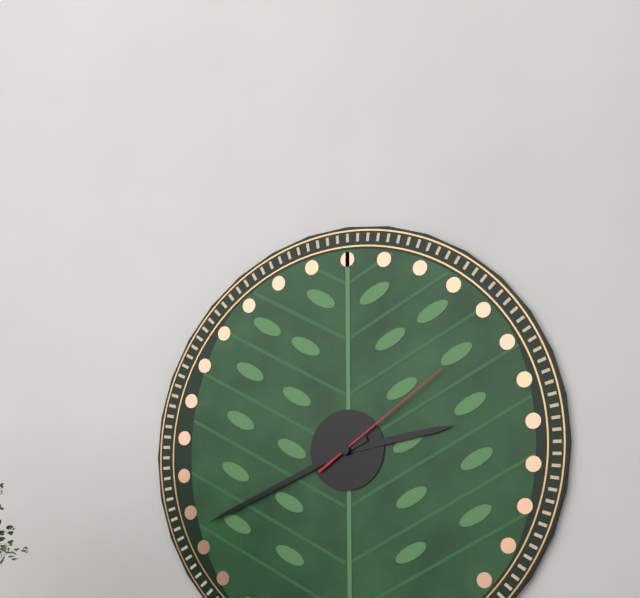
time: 2:41:09
